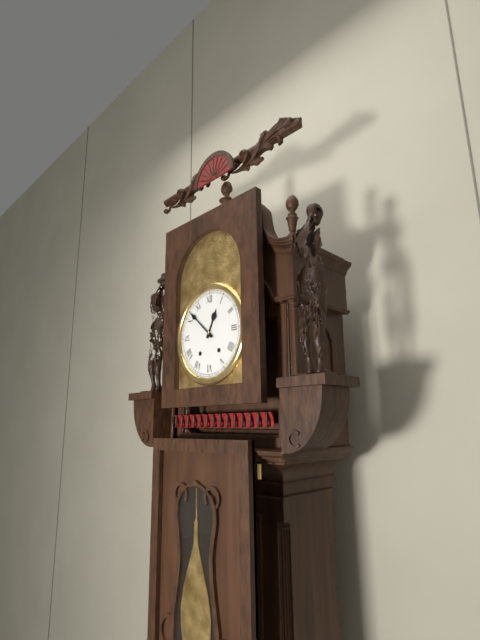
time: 12:52
